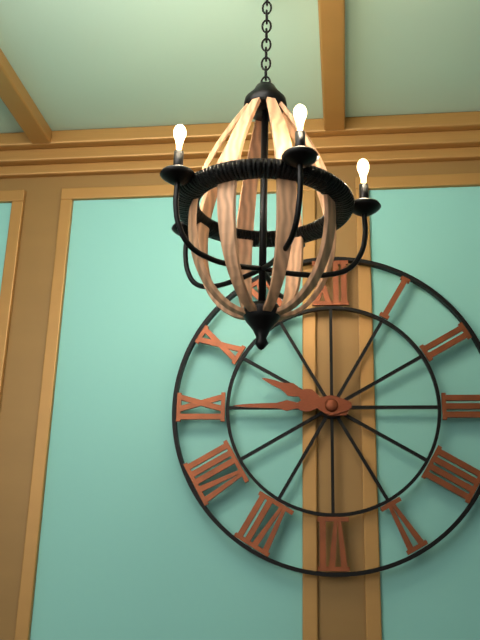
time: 9:45
